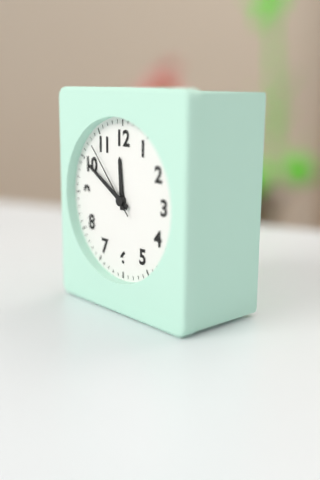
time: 11:50:53
